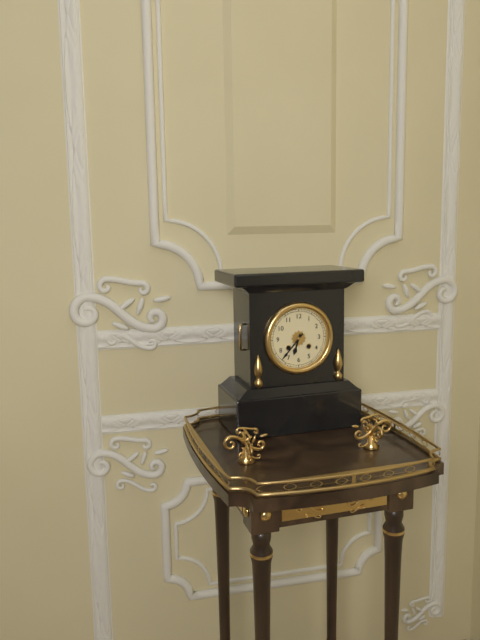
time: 6:37
